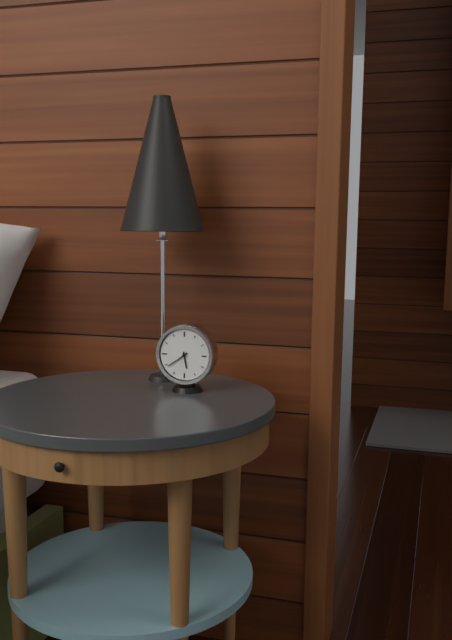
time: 5:39
